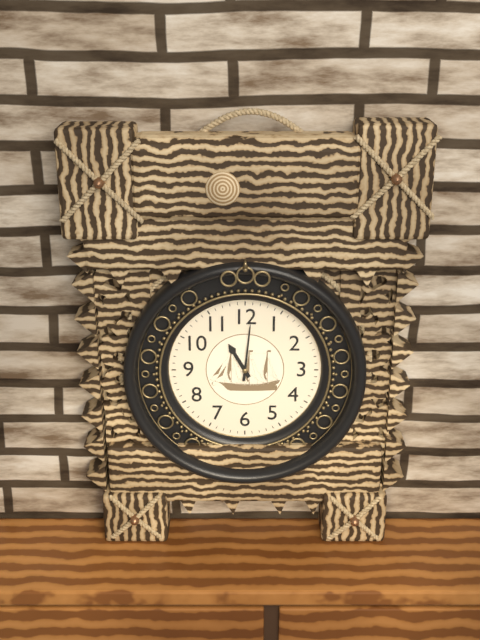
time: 11:01
